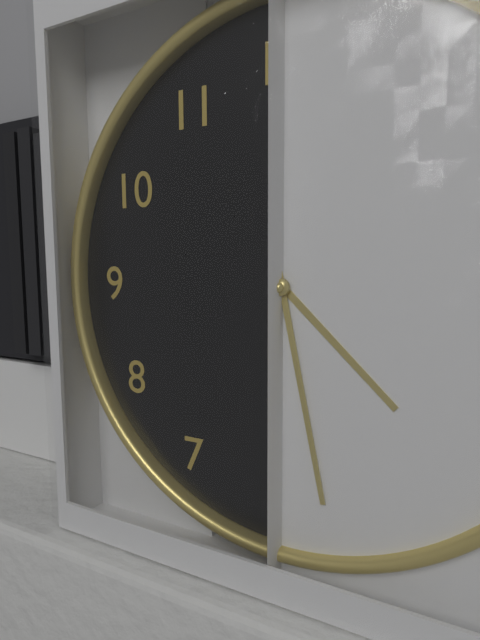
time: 4:28
